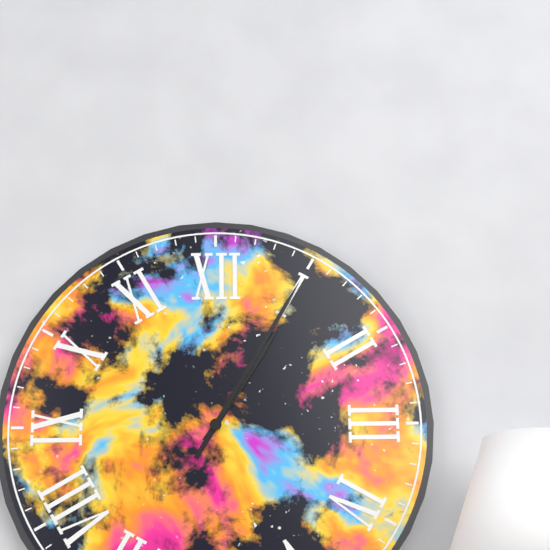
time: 1:05
